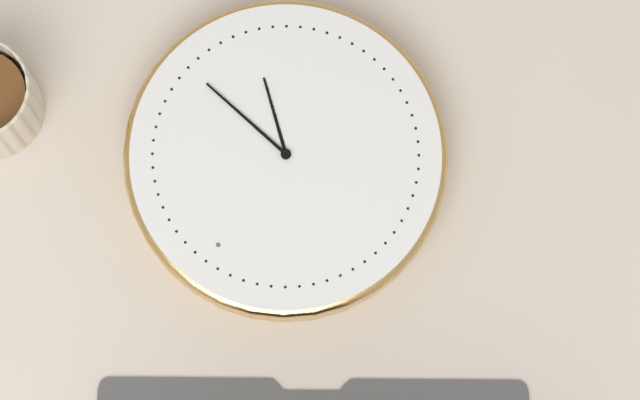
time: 4:16
